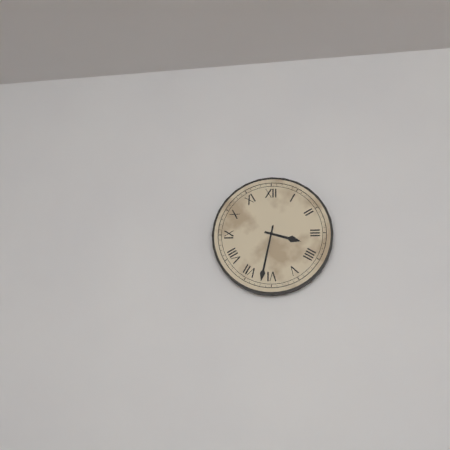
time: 3:32
